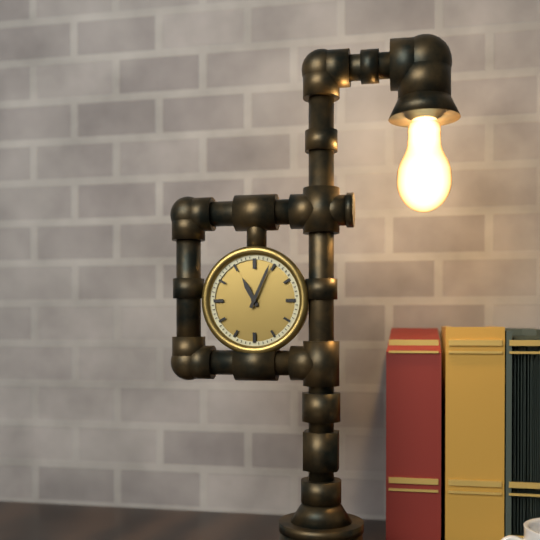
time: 11:04
